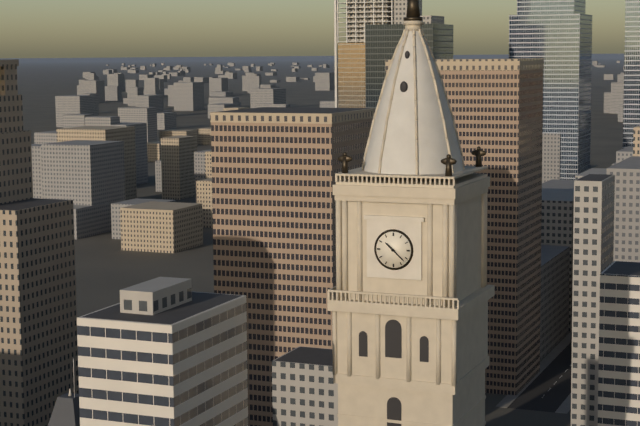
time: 10:22
